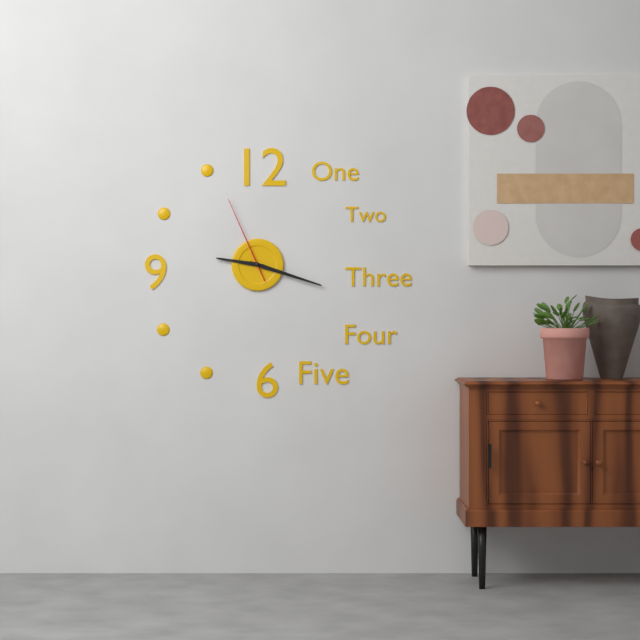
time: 9:18:56
